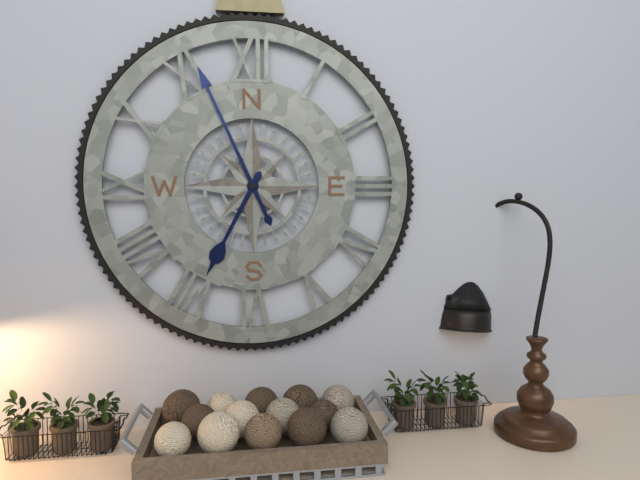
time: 6:56
